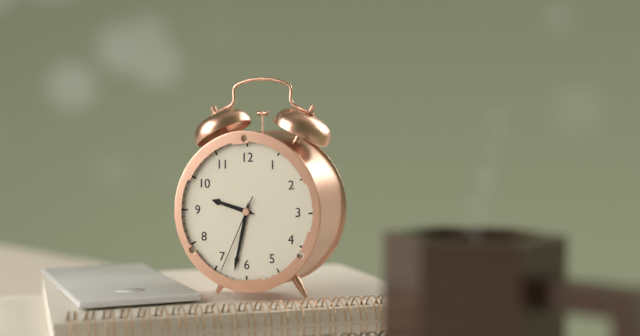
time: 9:32:34
